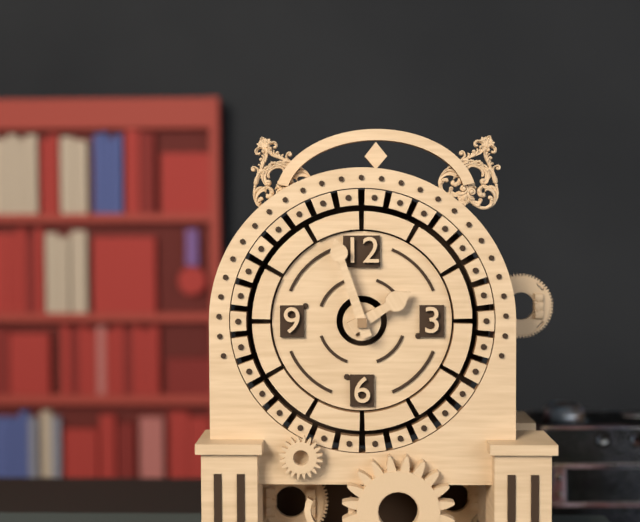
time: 1:57
